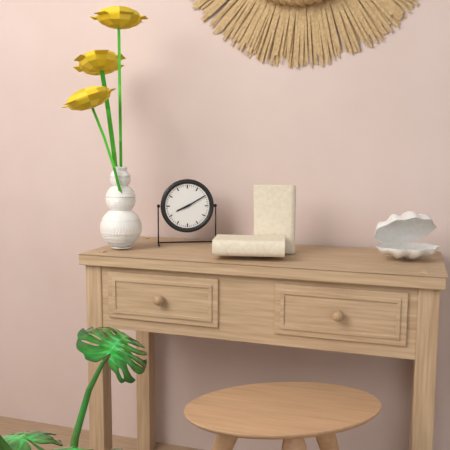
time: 8:10
